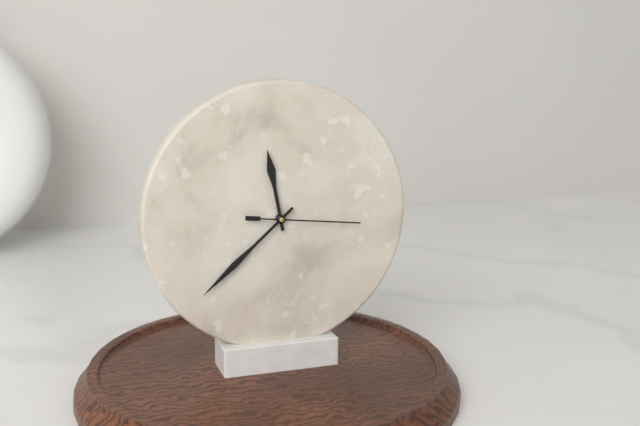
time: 11:38:16
